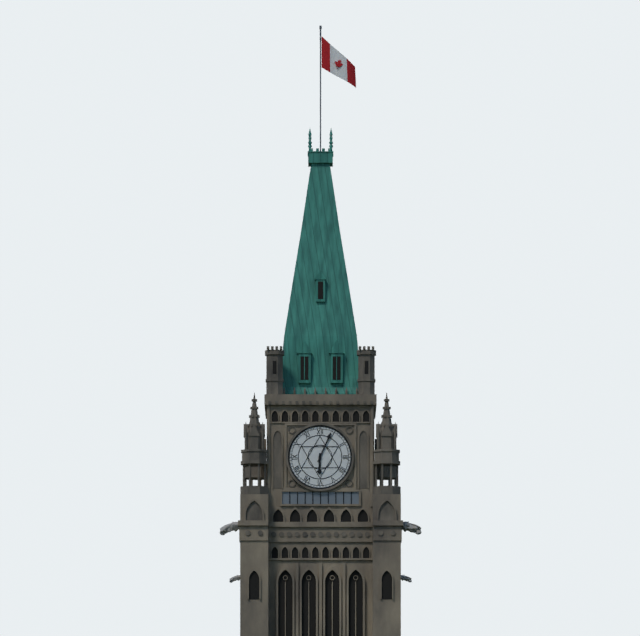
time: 6:04
